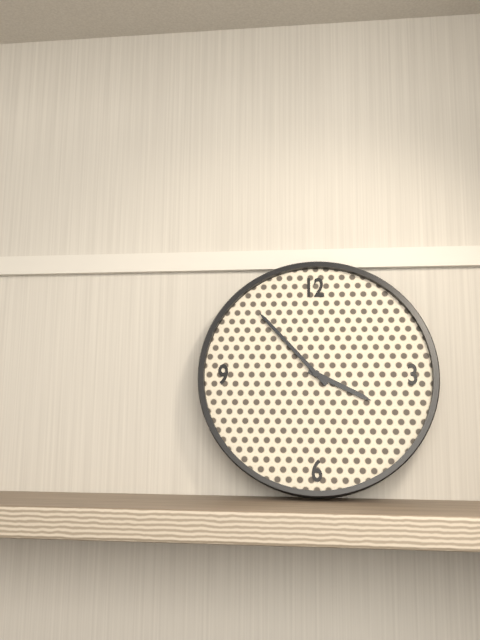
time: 3:53
